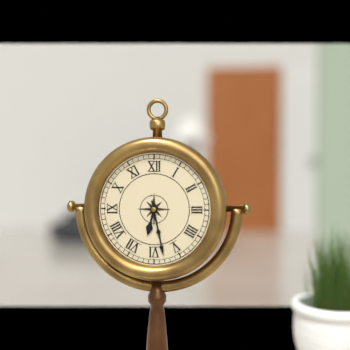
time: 6:28
